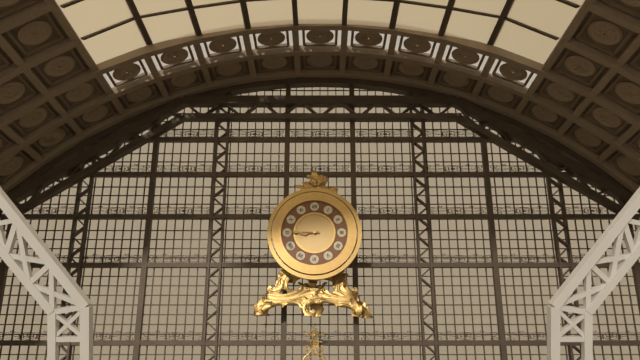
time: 8:45
